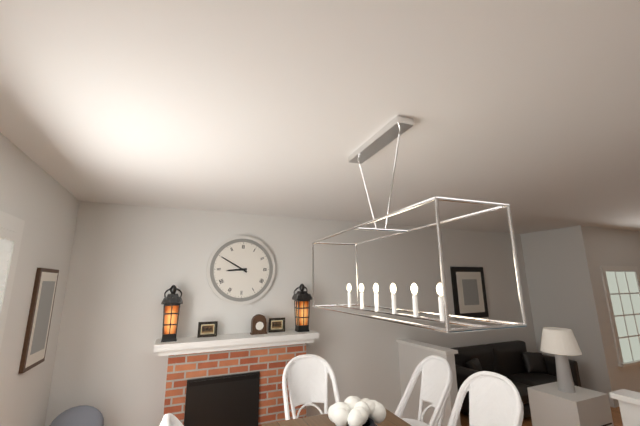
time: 8:50
